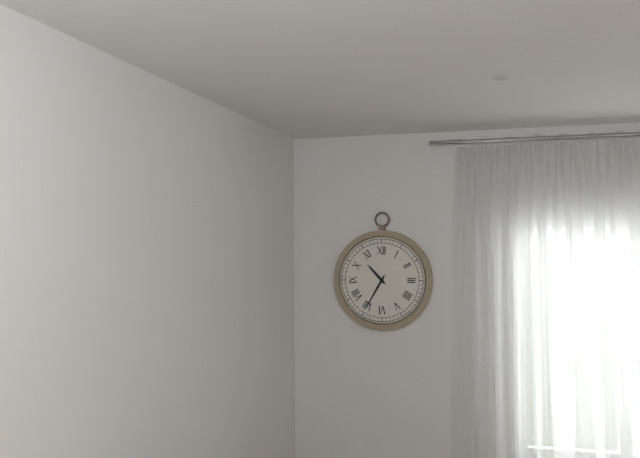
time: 10:35
